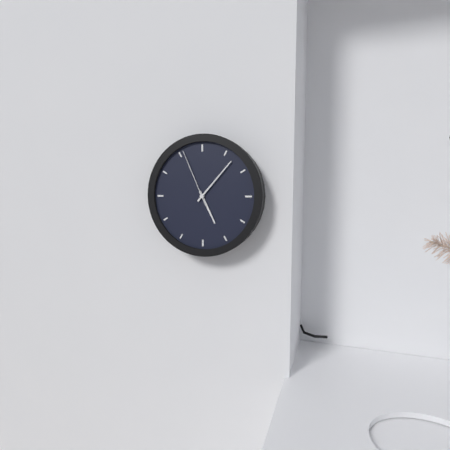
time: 5:07:56
